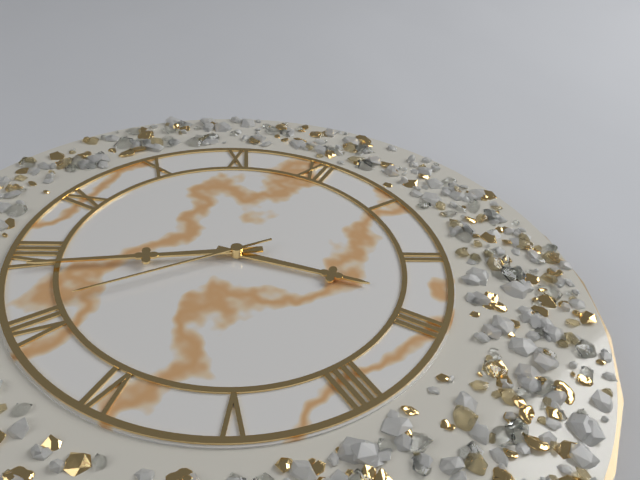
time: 2:39:36
